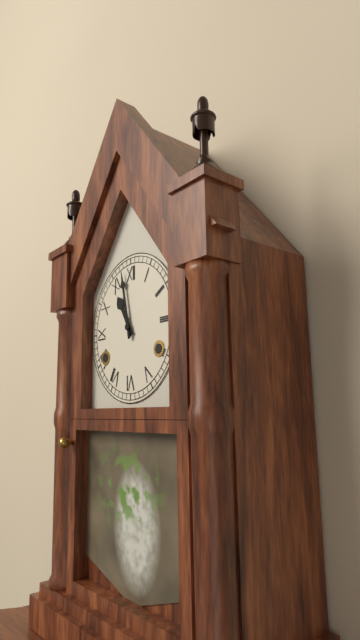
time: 10:58
